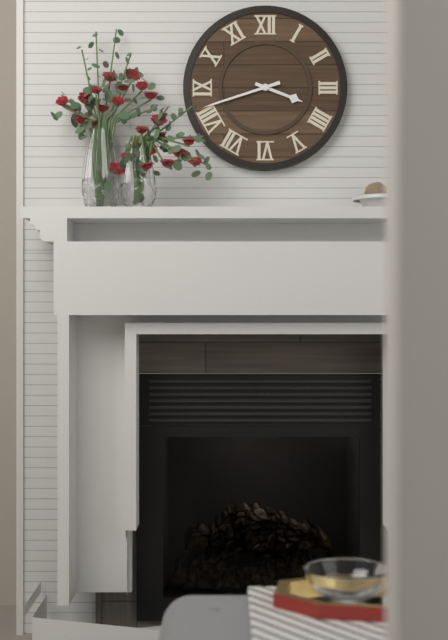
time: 3:42
